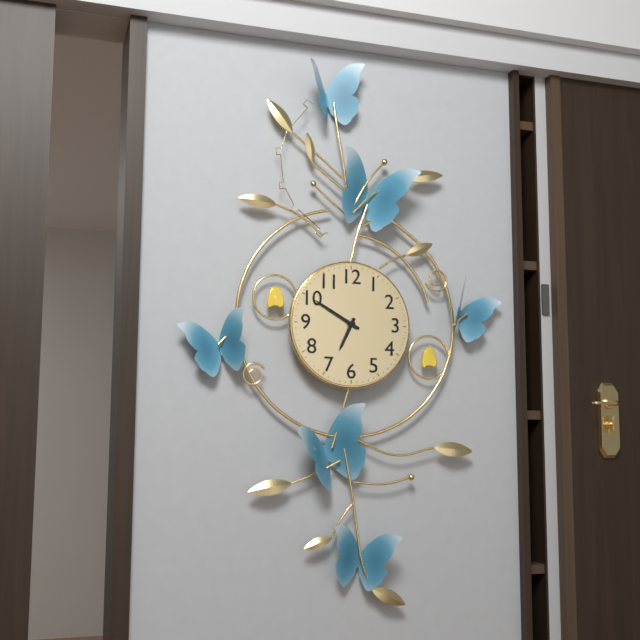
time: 6:50
